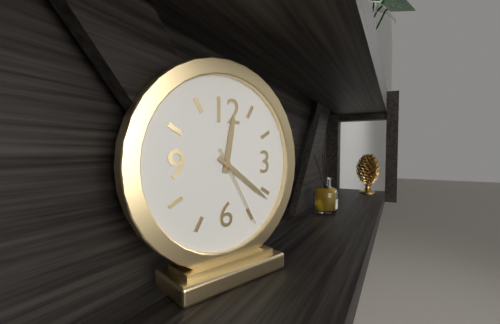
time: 12:21:25
